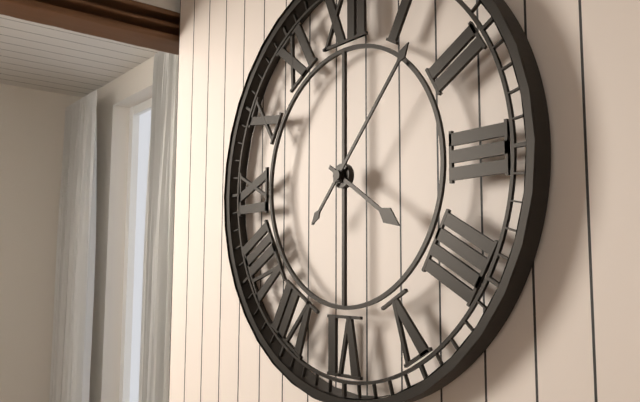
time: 4:07
